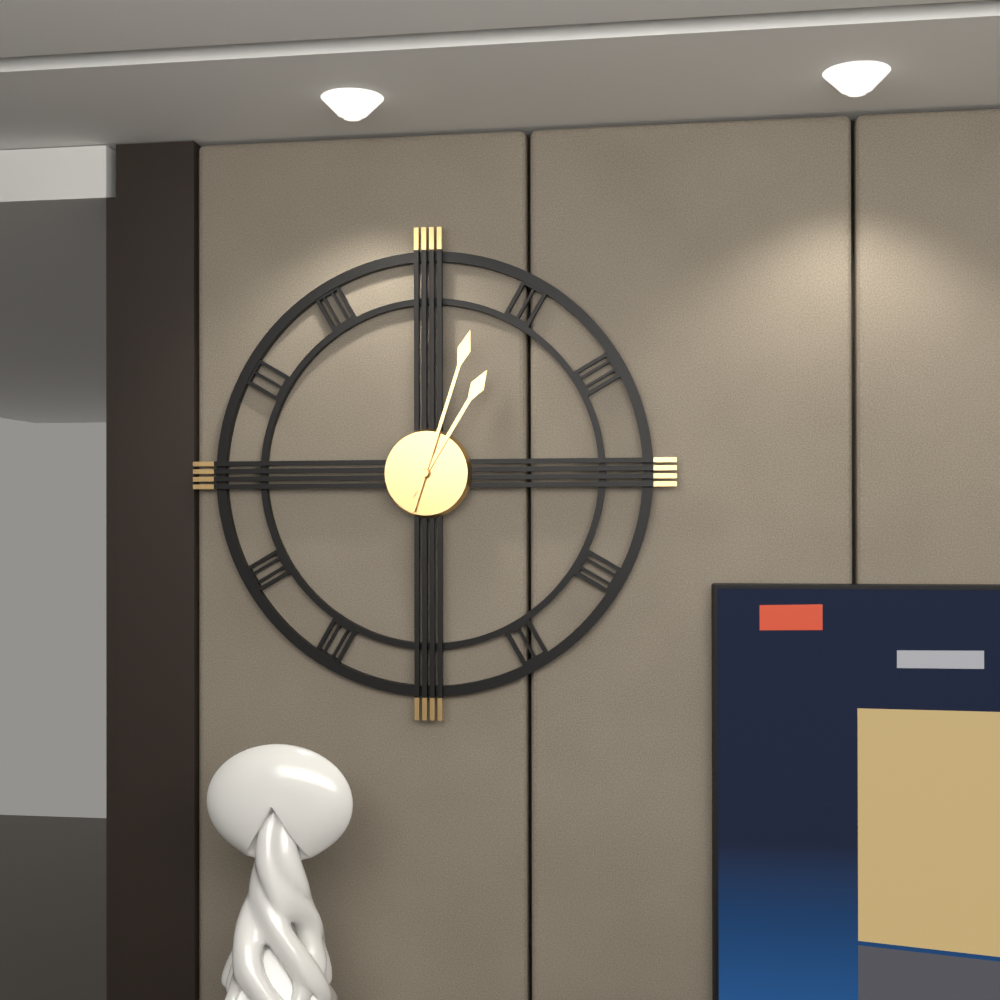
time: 1:03
